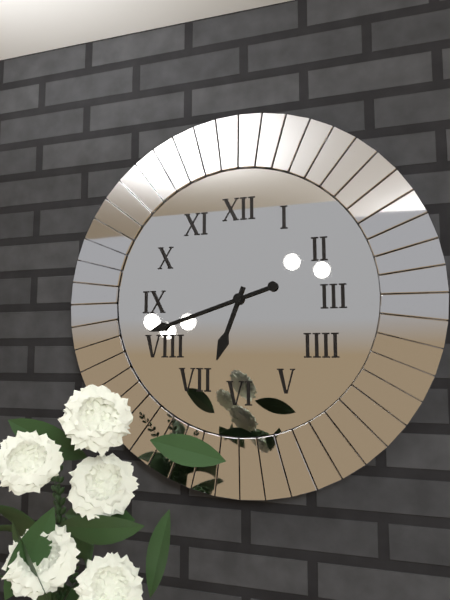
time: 6:42
